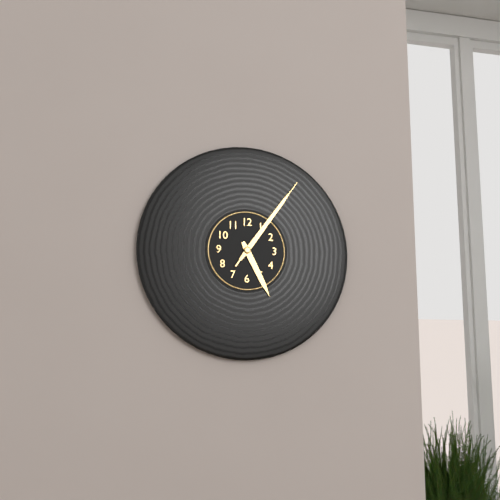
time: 5:06:06
